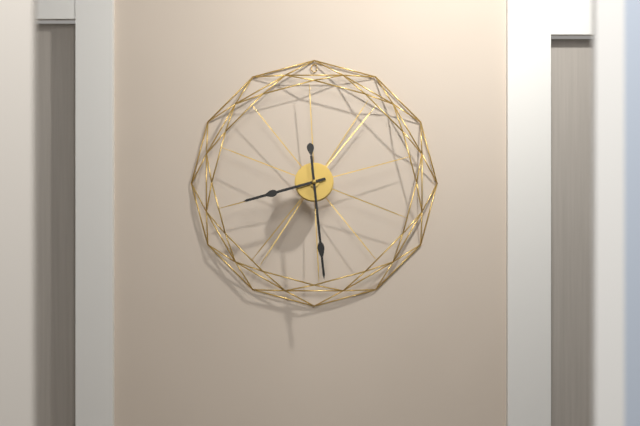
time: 8:29
